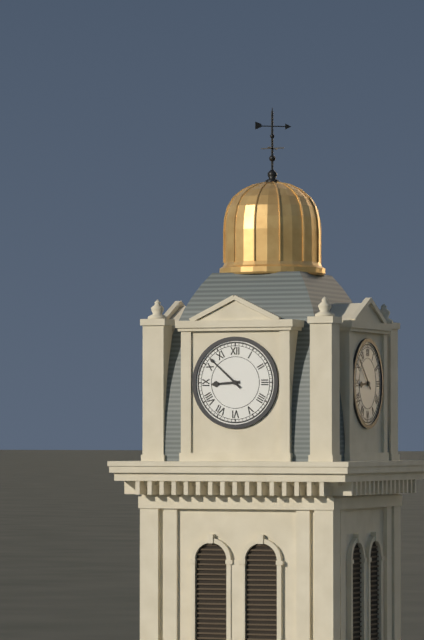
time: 8:52
